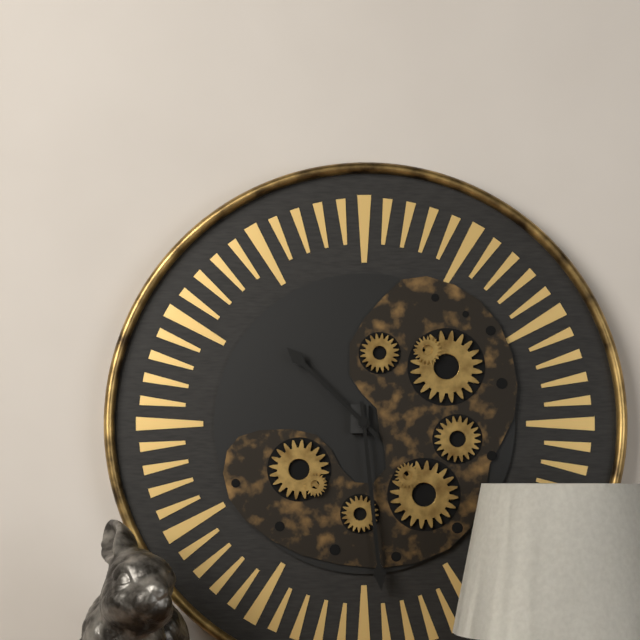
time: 10:29
